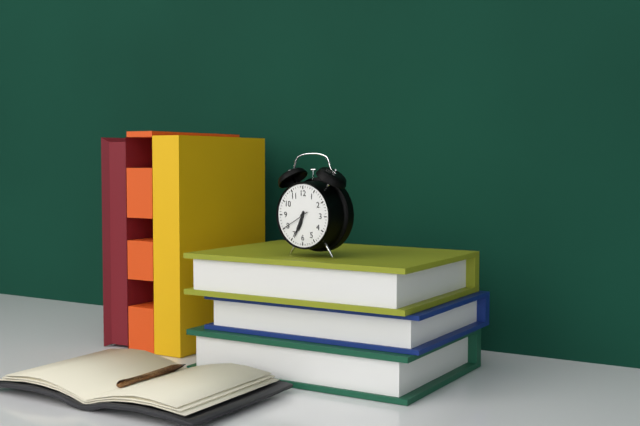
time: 6:34
